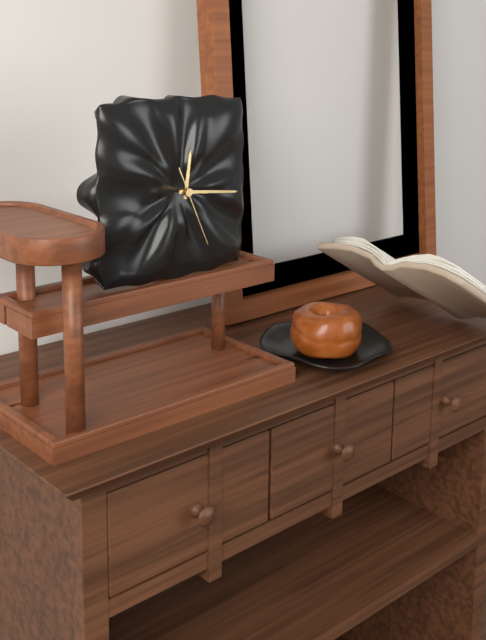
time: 12:16:26
